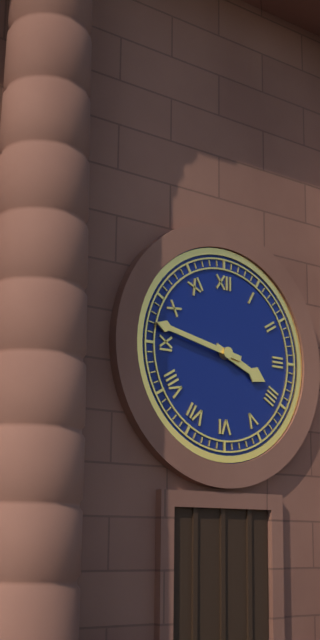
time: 3:47
